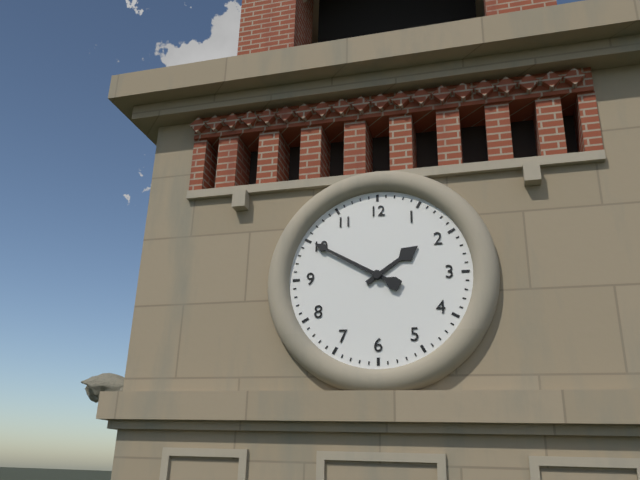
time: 1:50
